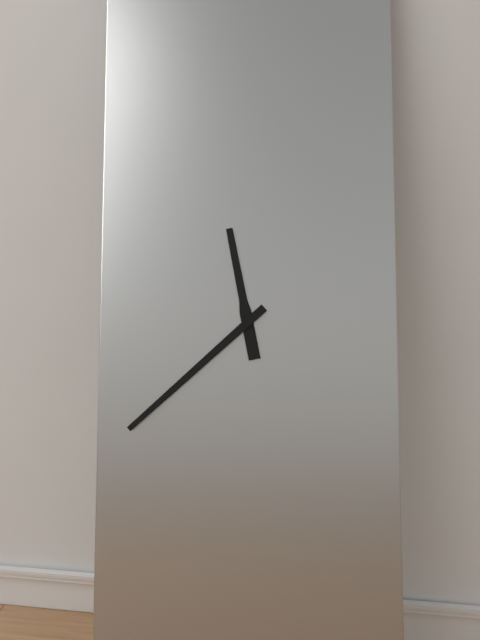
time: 11:38
